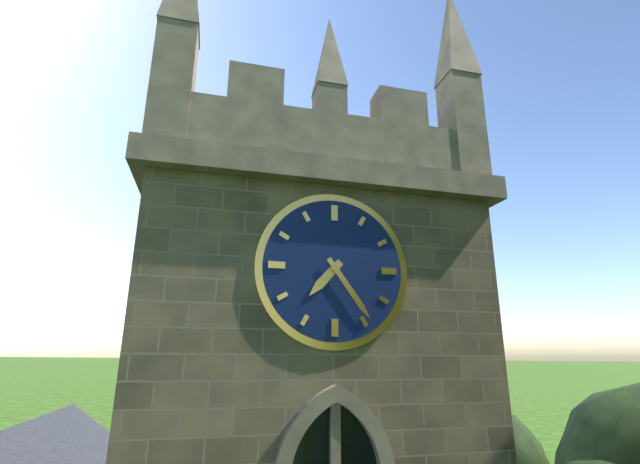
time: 7:24
